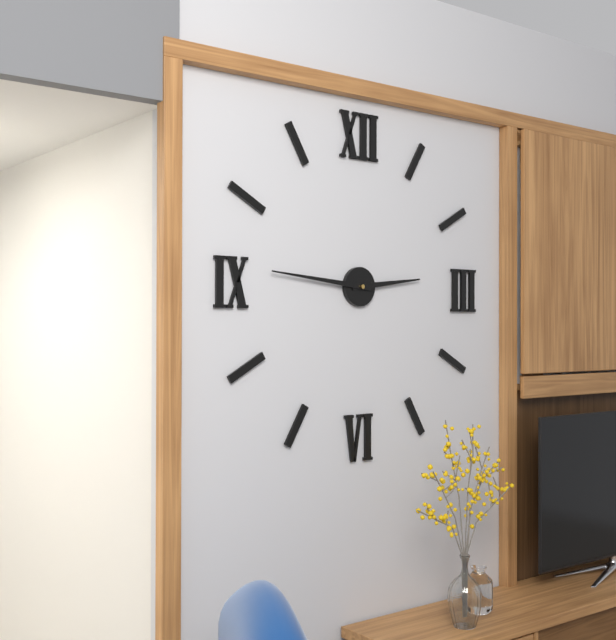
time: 2:46
